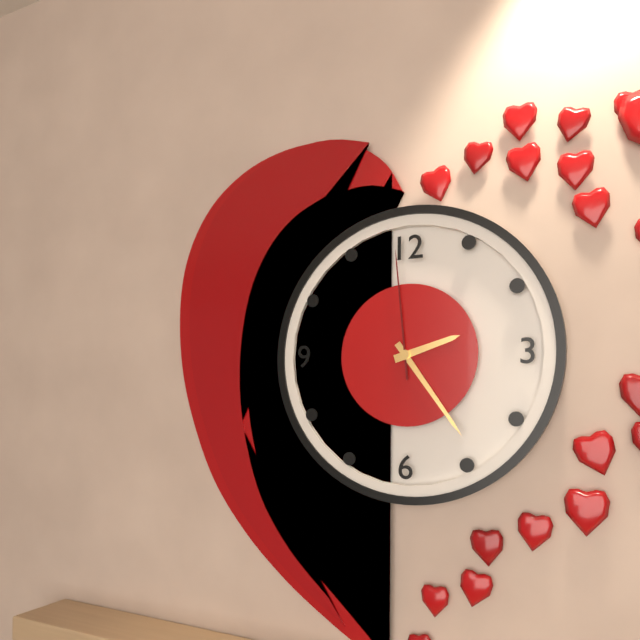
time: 2:24:59
